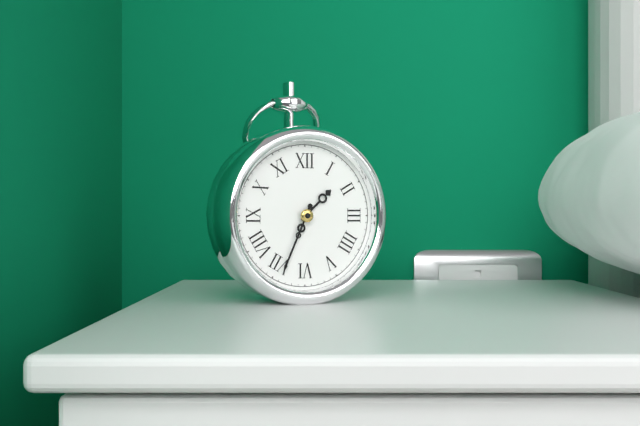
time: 1:34
